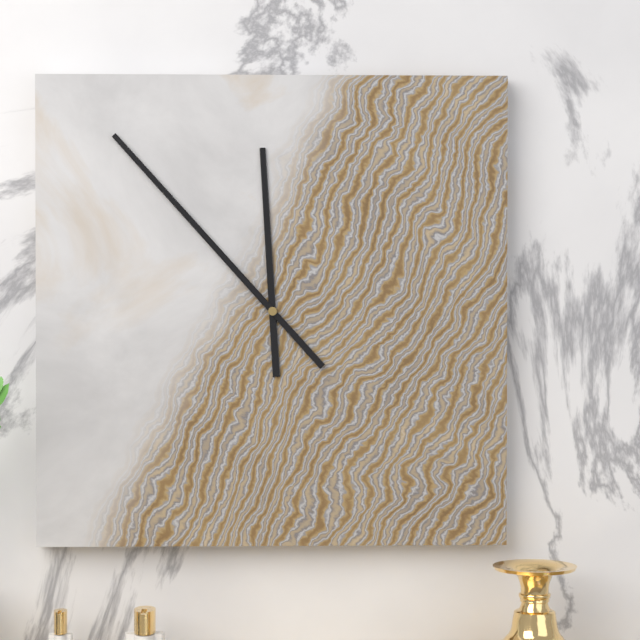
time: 11:53
